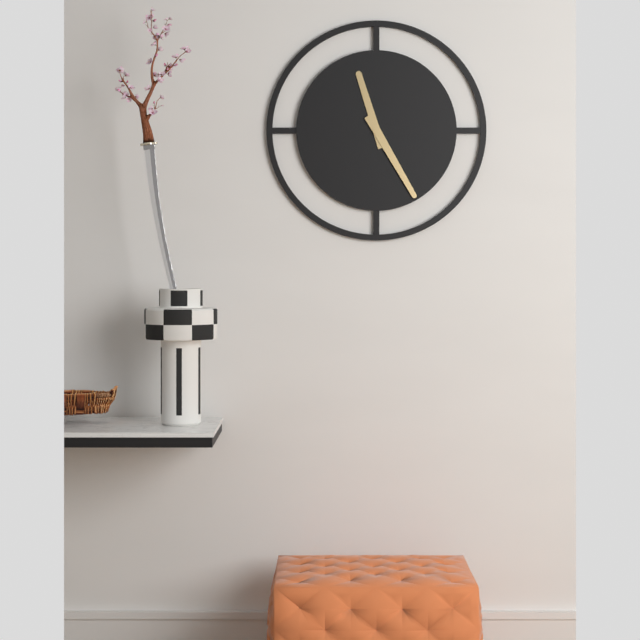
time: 11:25
